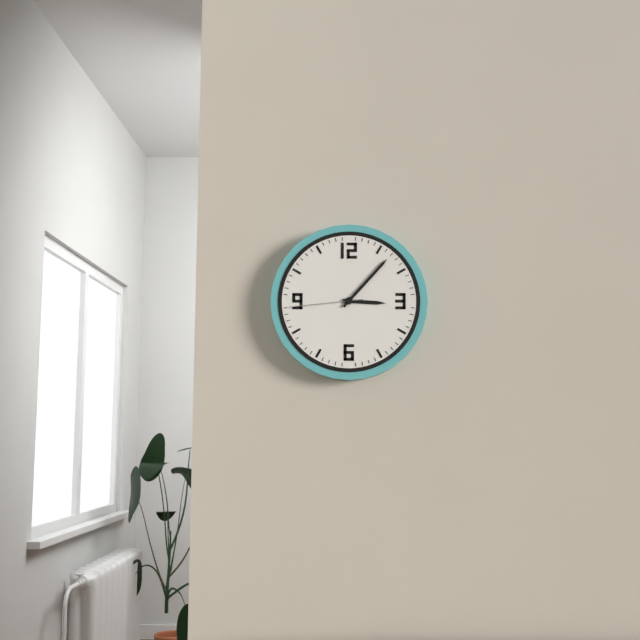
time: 3:07:44
